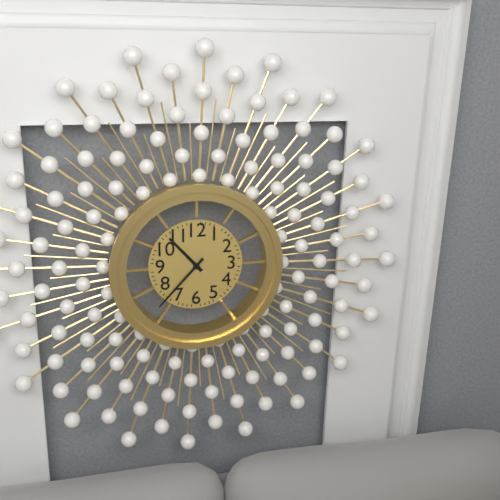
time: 10:37
